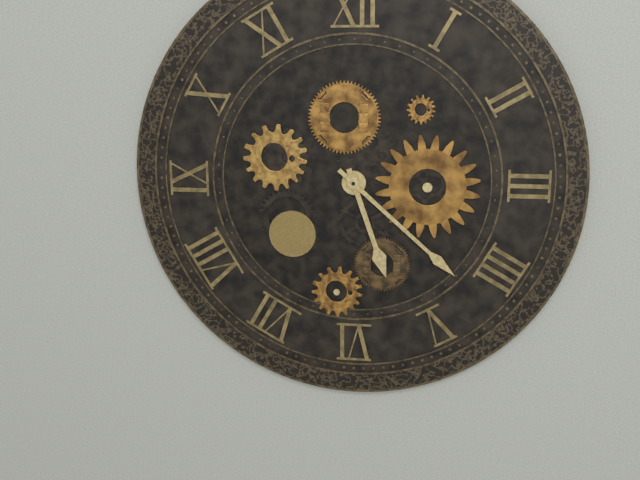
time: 5:22
